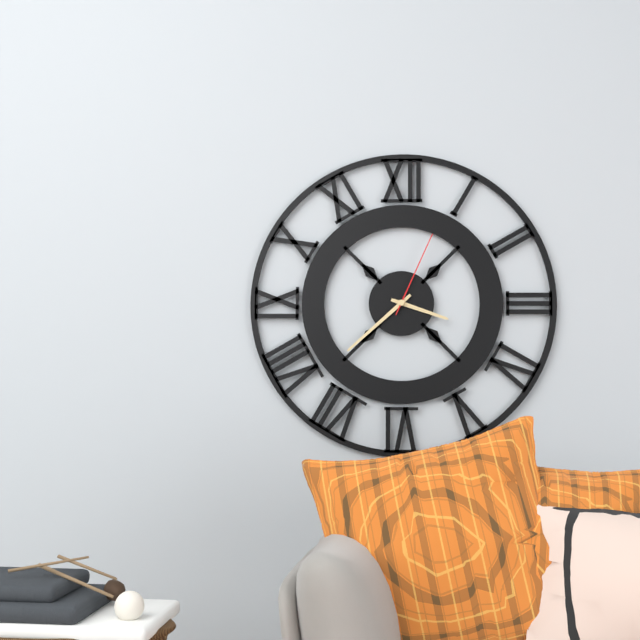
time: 3:38:04
